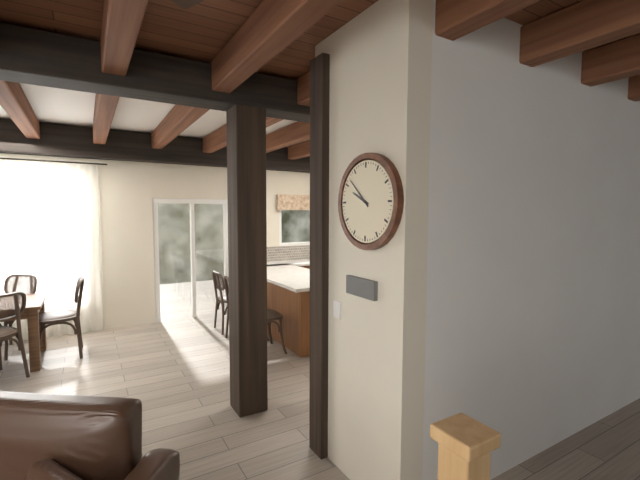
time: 9:52
